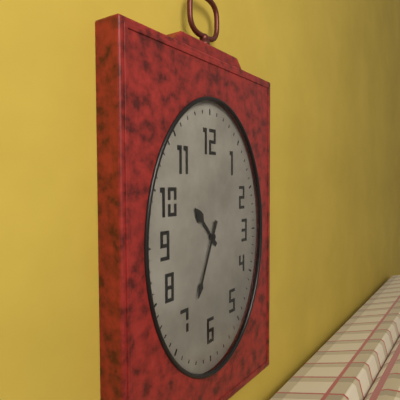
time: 10:34
